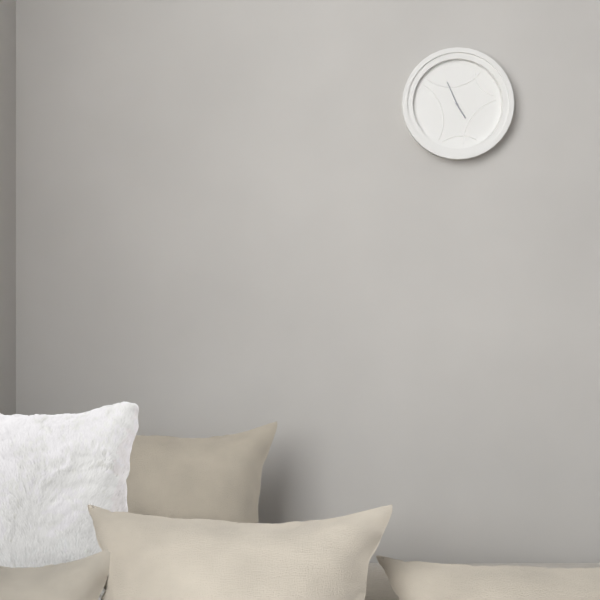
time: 4:56
